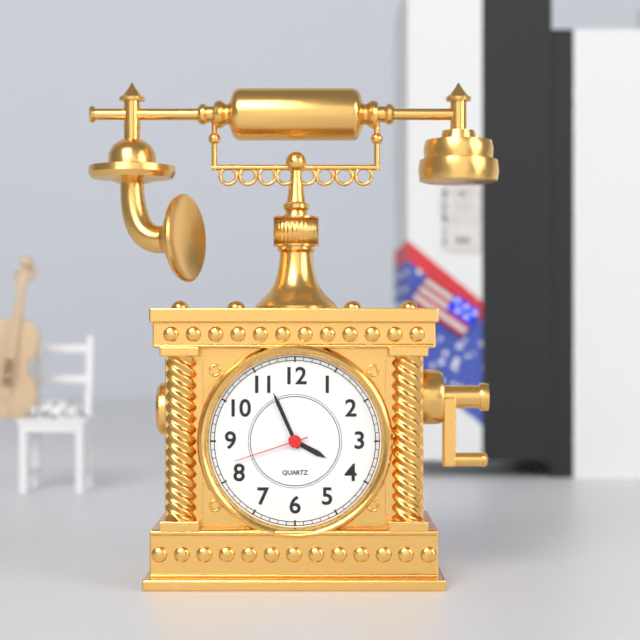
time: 3:56:42
